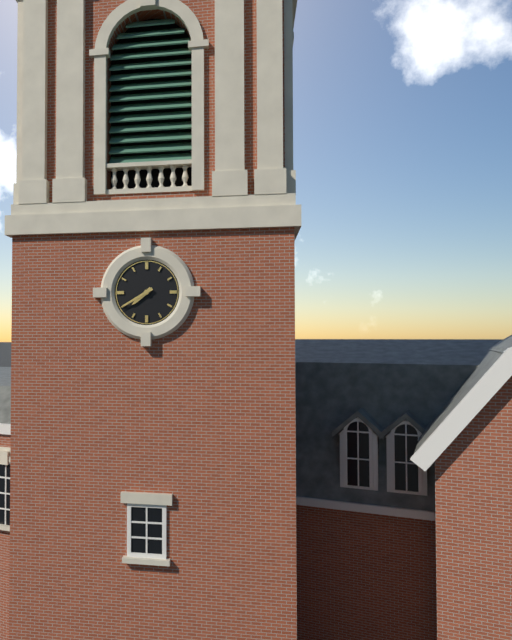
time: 7:40
